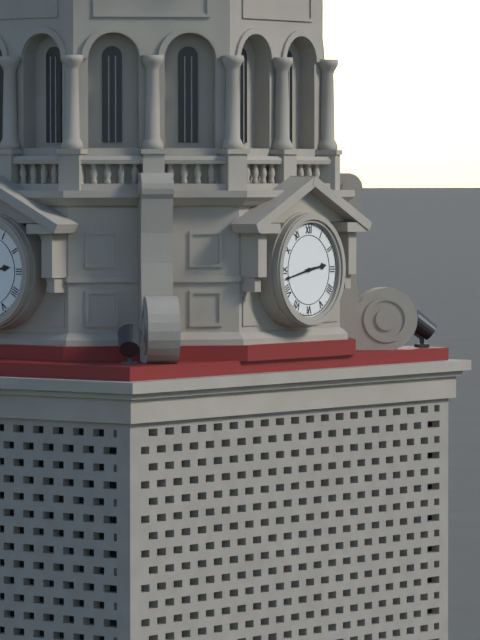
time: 2:43
